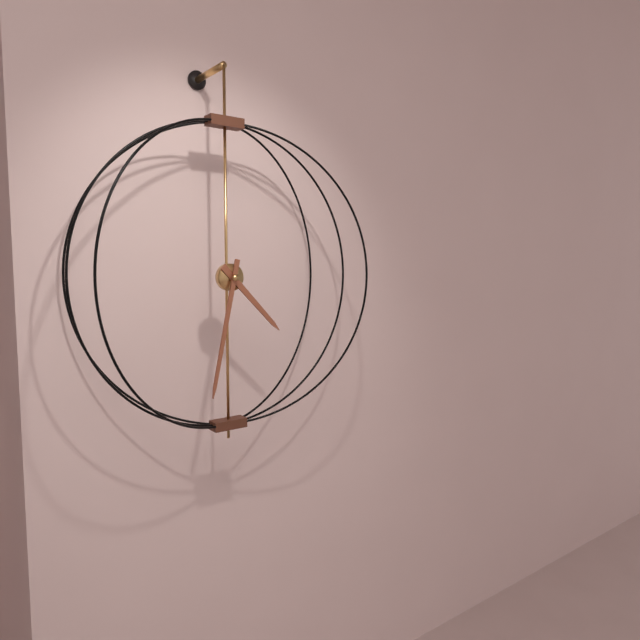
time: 4:32
